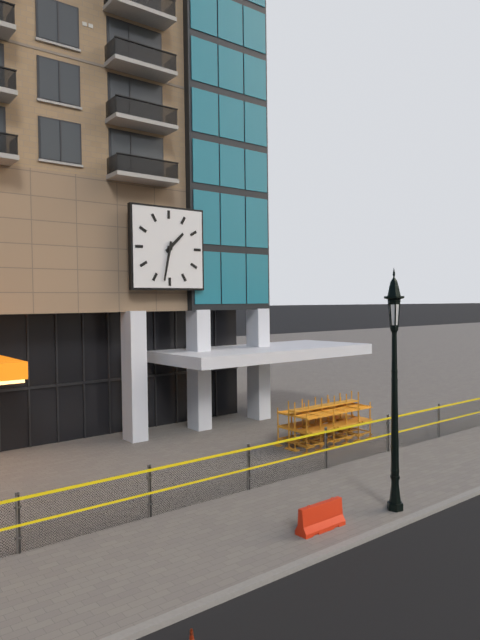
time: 1:32
